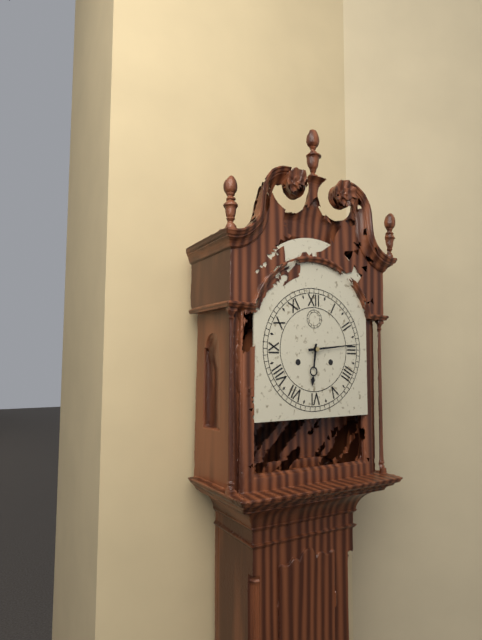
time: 6:14
